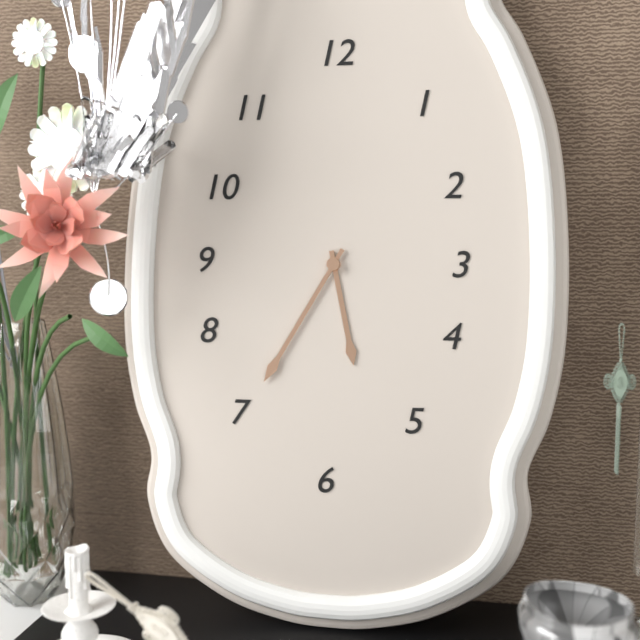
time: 5:35
